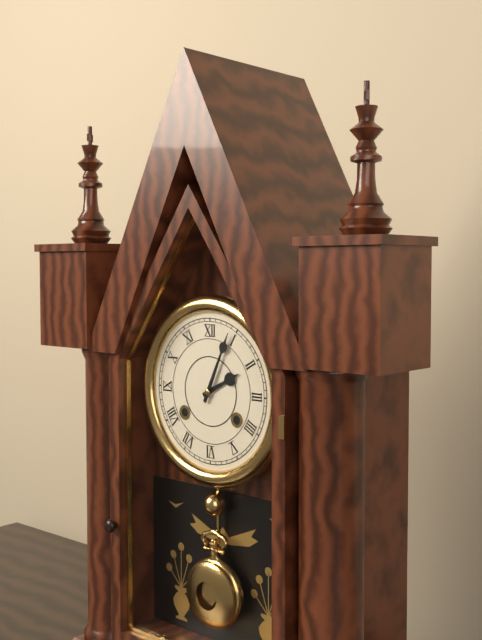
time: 2:04
